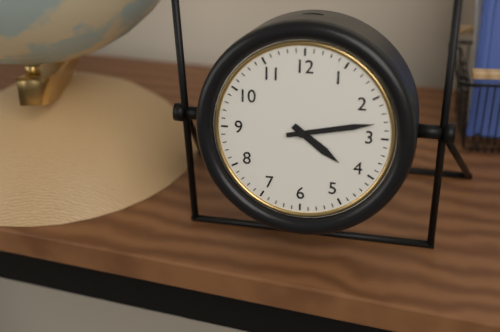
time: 4:13
